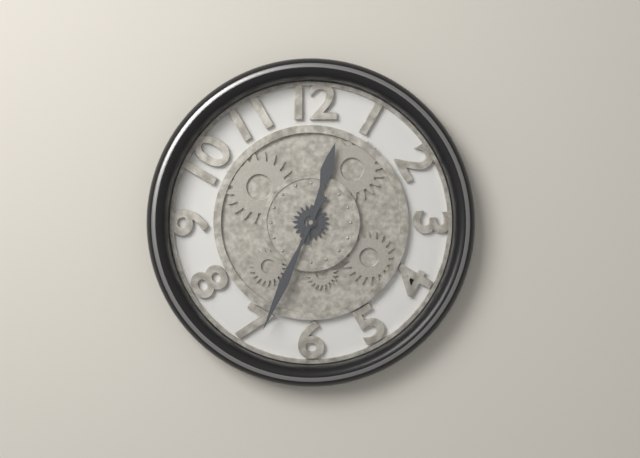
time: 12:34
